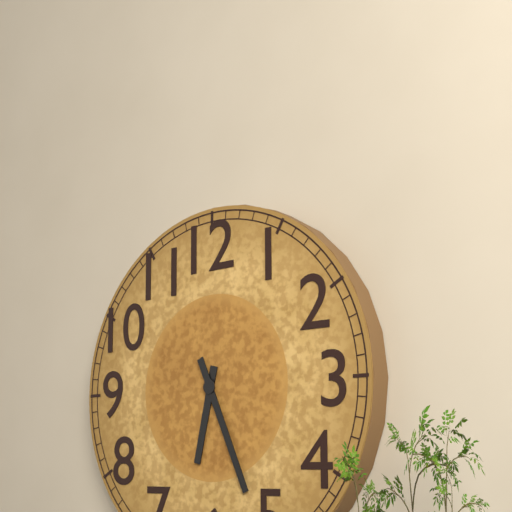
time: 6:26
